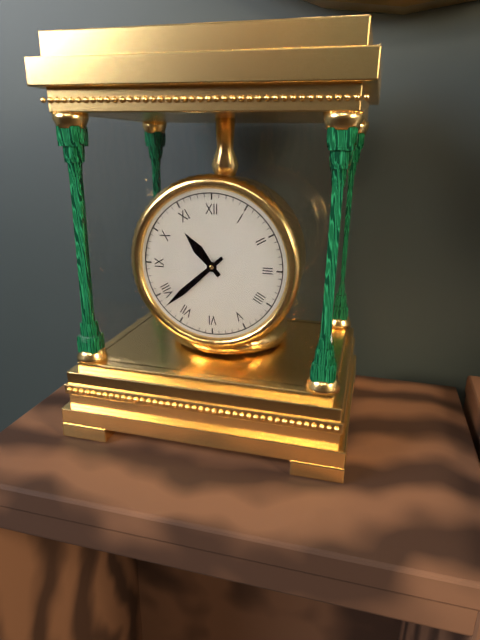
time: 10:38
